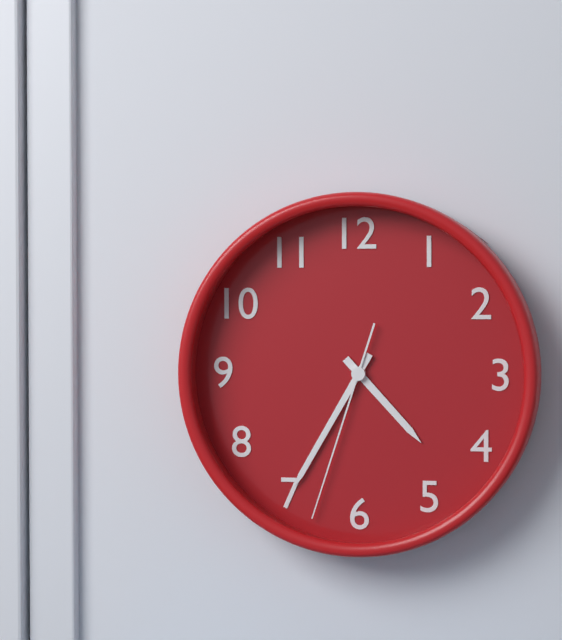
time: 4:35:33
